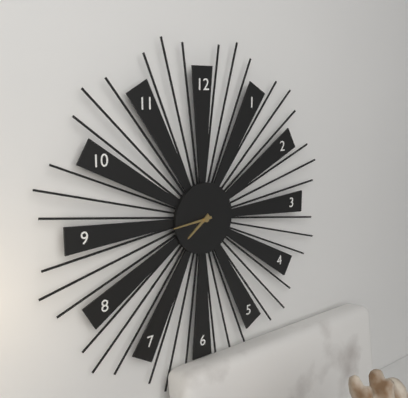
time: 7:44
